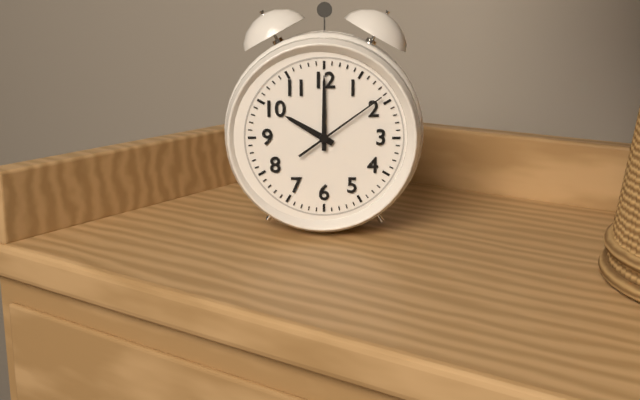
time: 10:00:09
